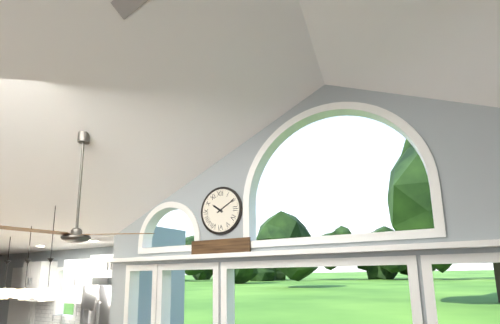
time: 10:10
